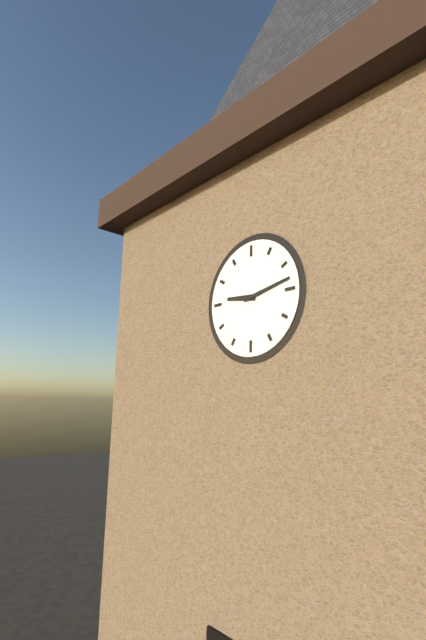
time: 9:13
